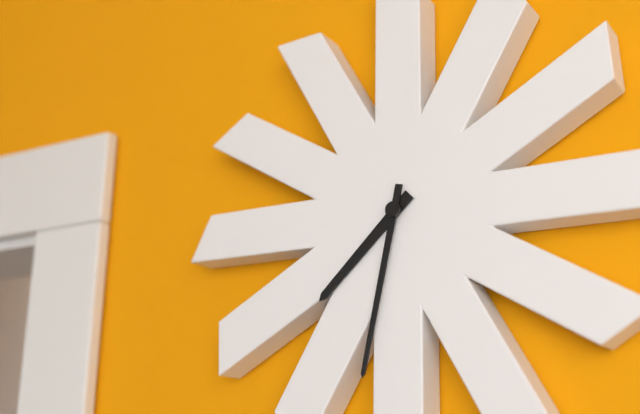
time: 7:32
